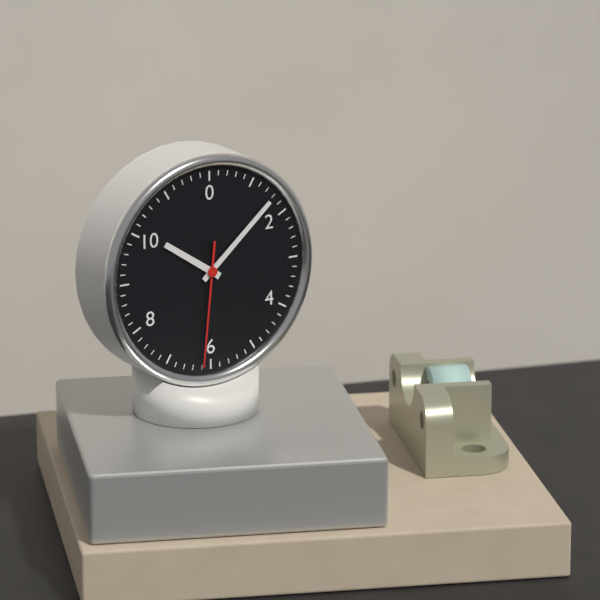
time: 10:08:31
